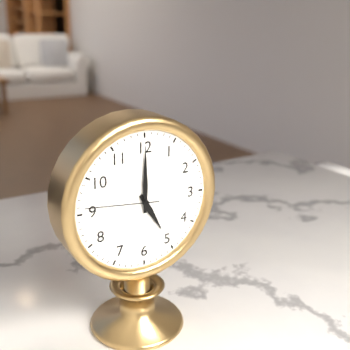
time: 5:00:46
